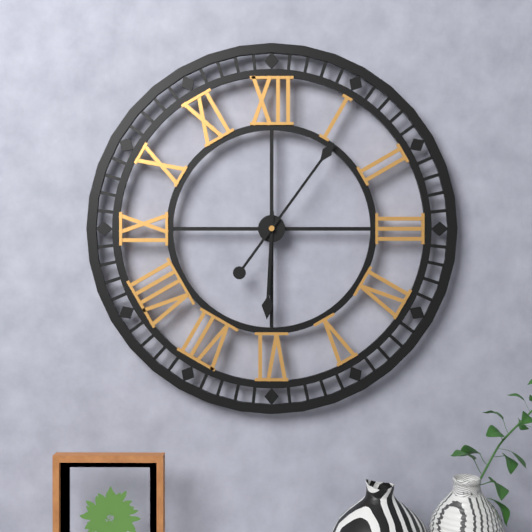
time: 6:06
